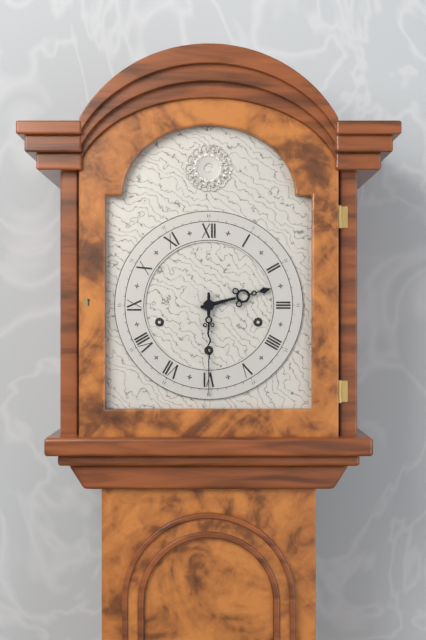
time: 2:30
